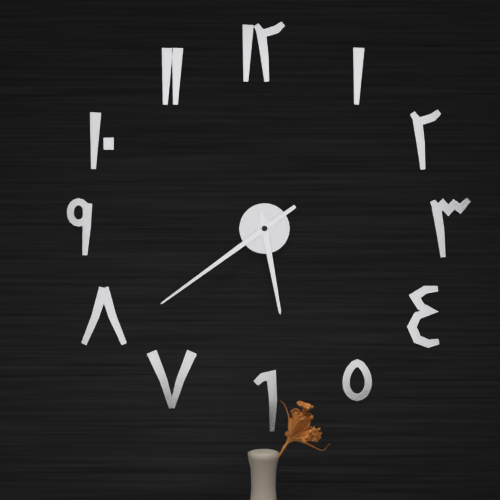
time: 5:39
